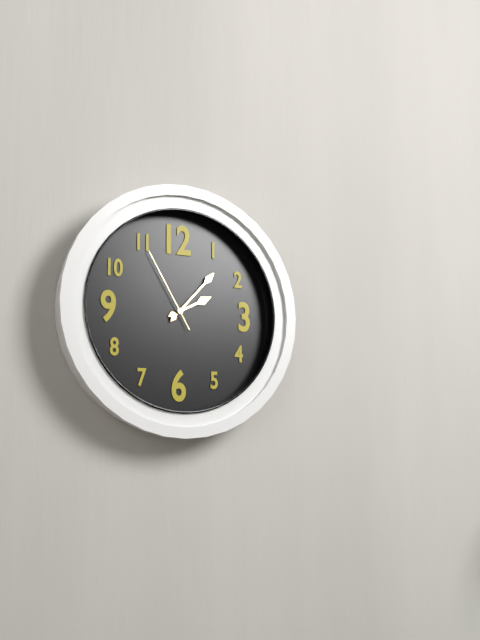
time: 2:07:55
